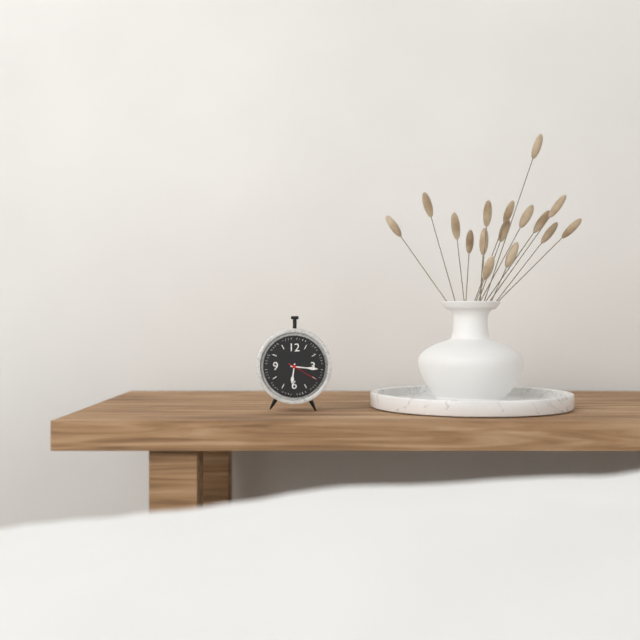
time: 6:16
